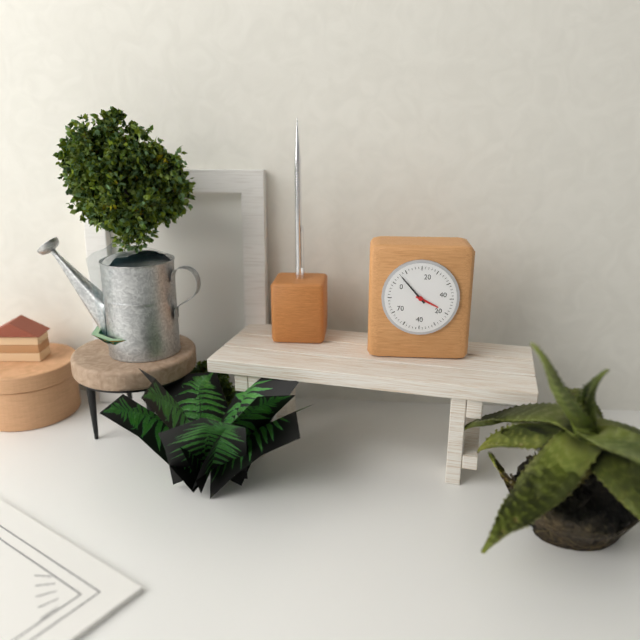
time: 3:53
